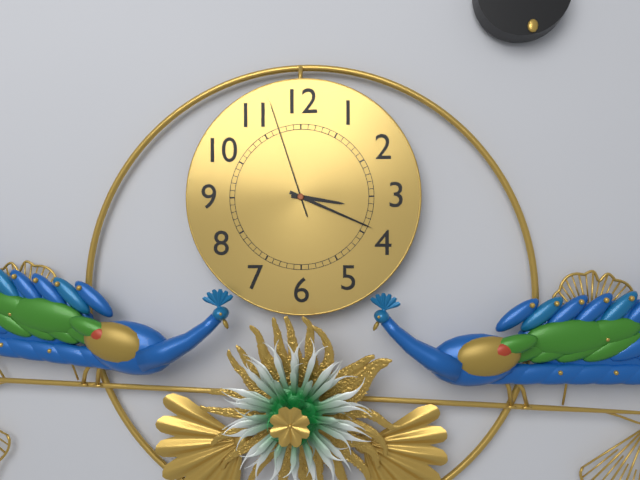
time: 3:19:57
